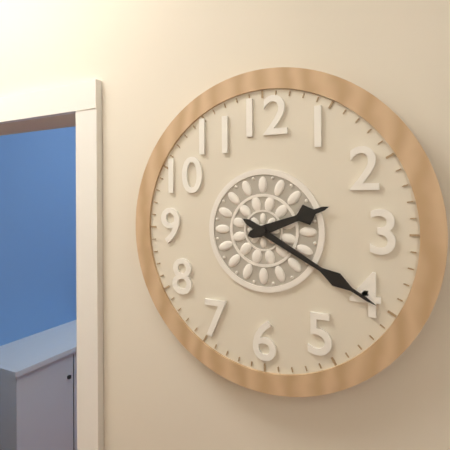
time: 2:20
